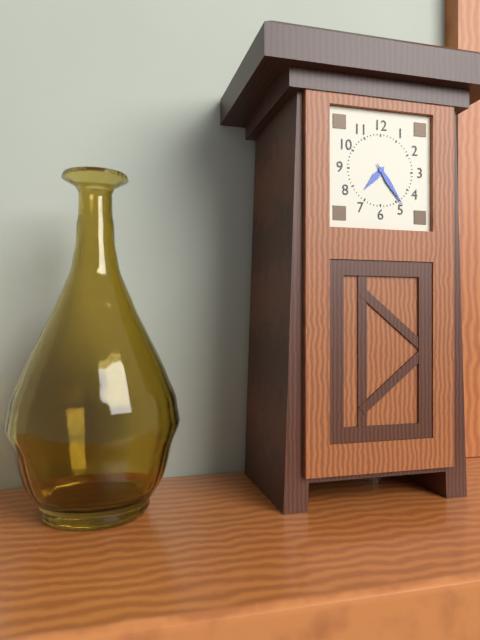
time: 7:24
